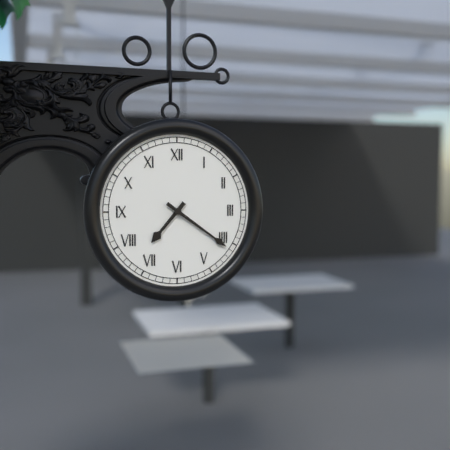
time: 7:21
